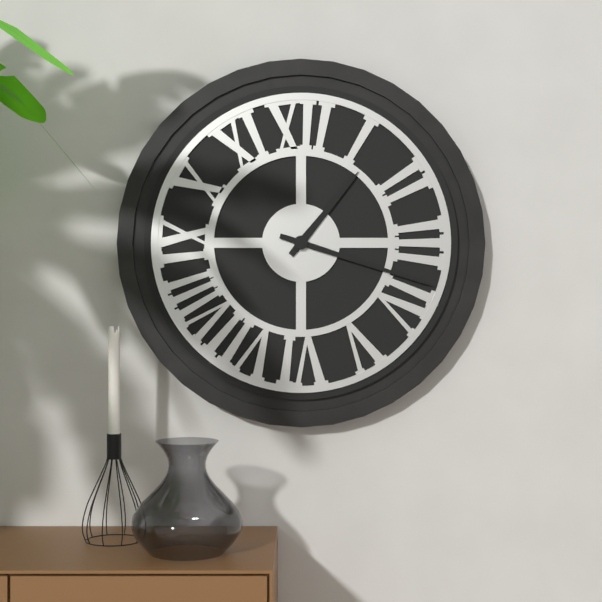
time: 1:18
